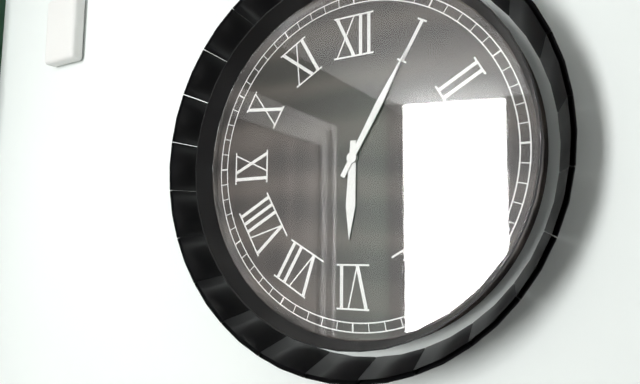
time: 6:05
